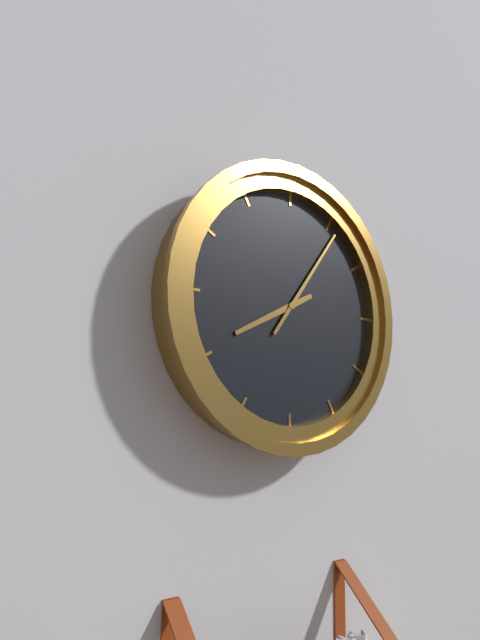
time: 8:06
